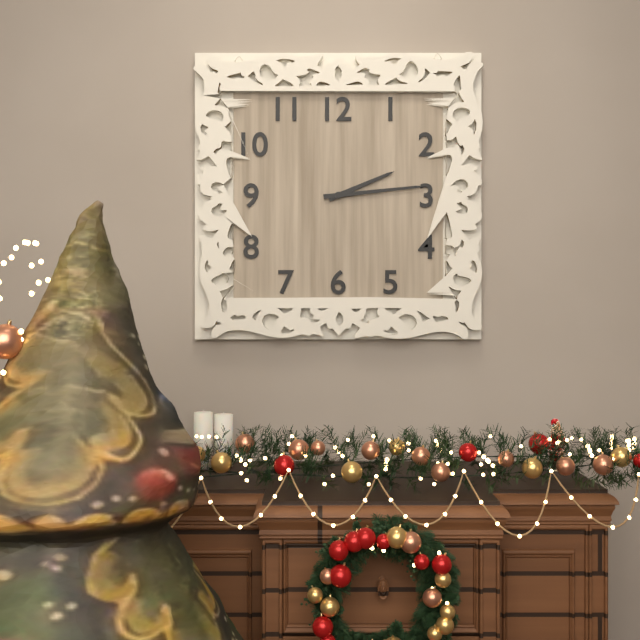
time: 2:14
